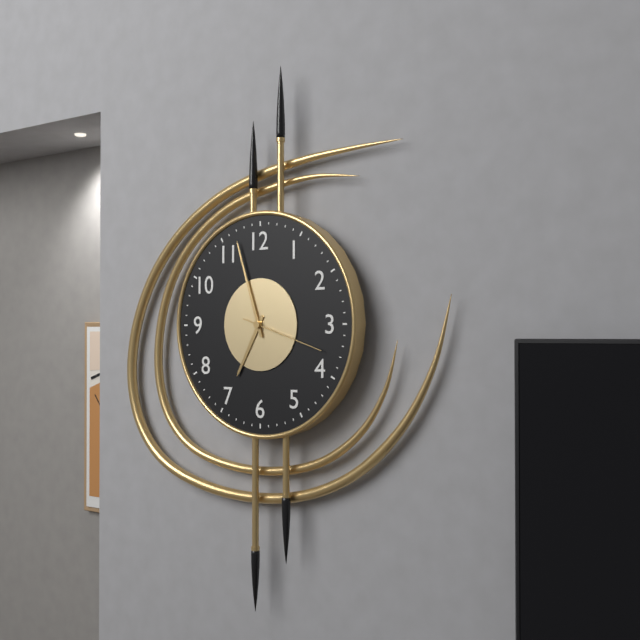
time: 6:57:18
